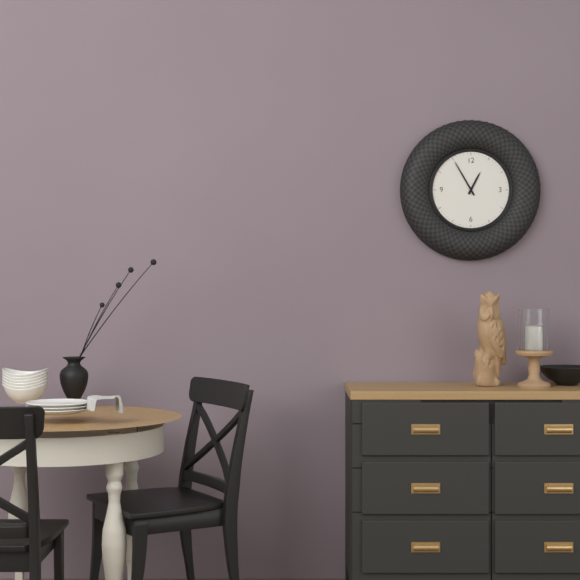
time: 12:55
